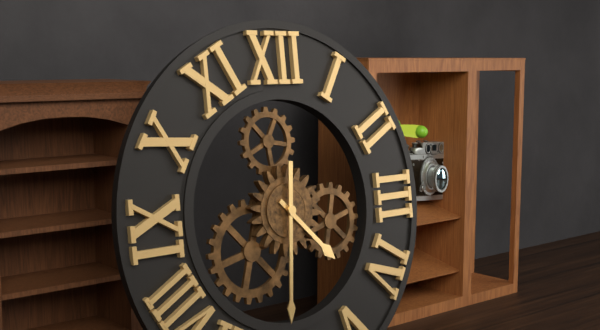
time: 4:31
